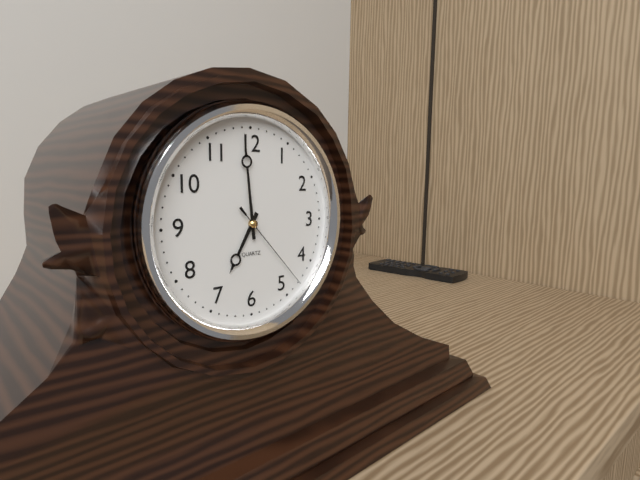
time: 6:59:23
